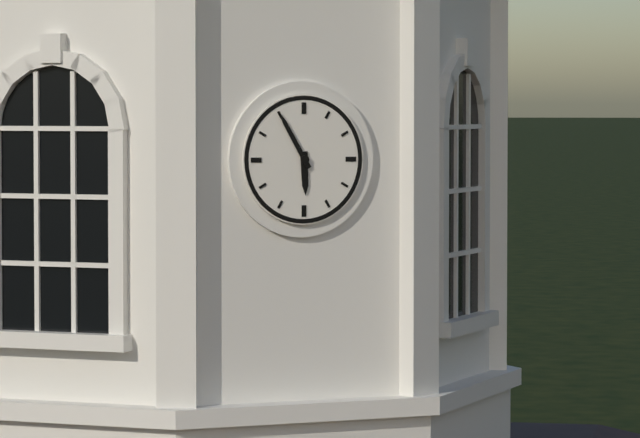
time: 5:55
